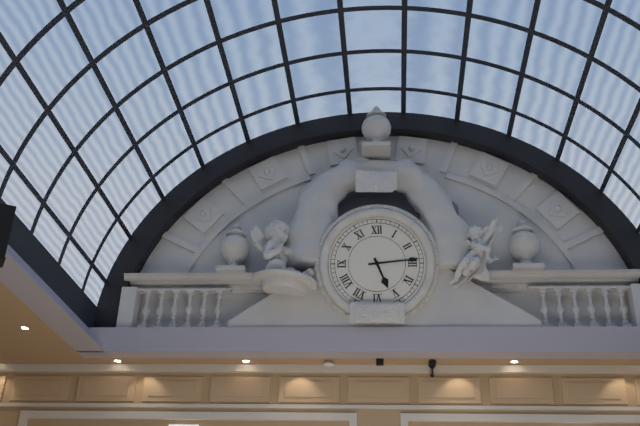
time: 5:14
